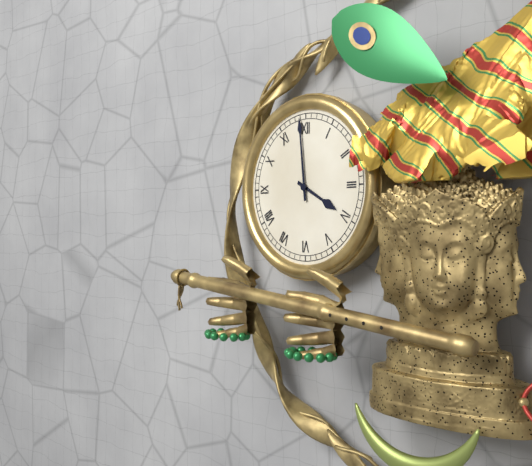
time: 3:59
